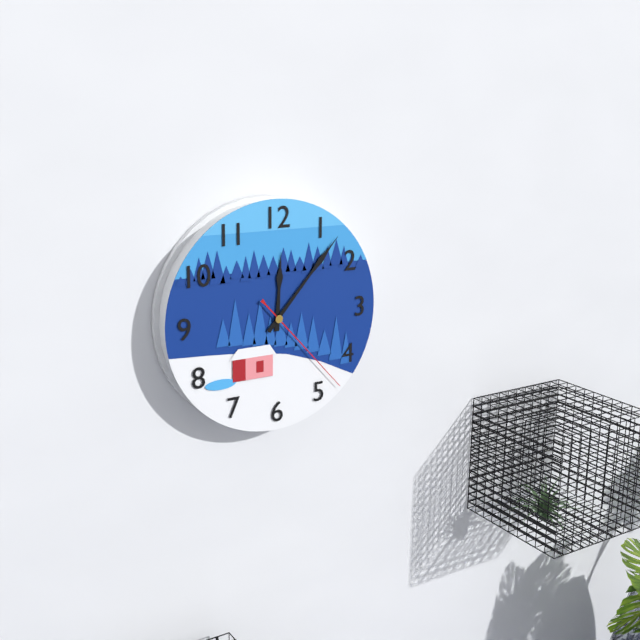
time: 12:07:23
